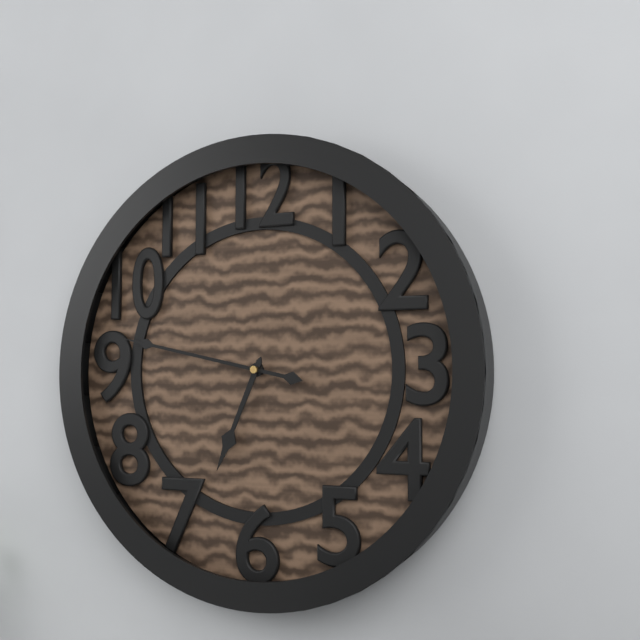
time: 6:47
